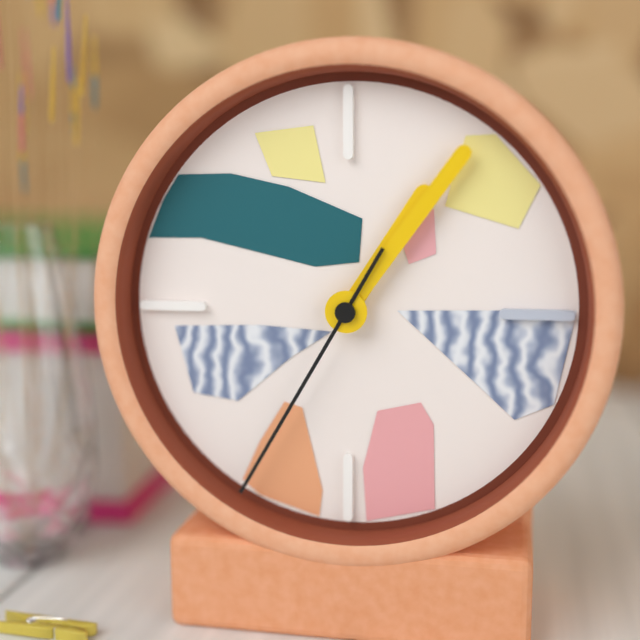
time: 1:06:35
